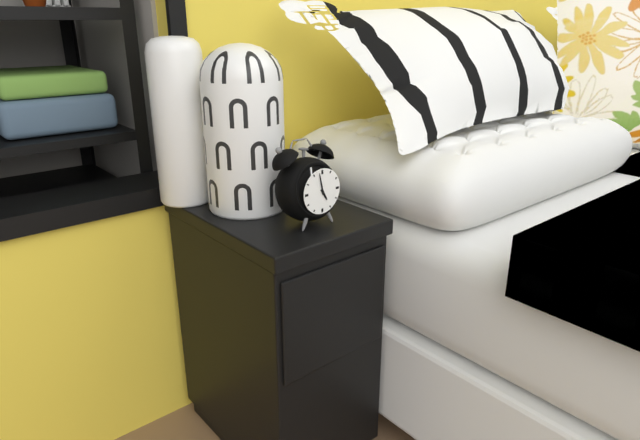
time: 4:58
